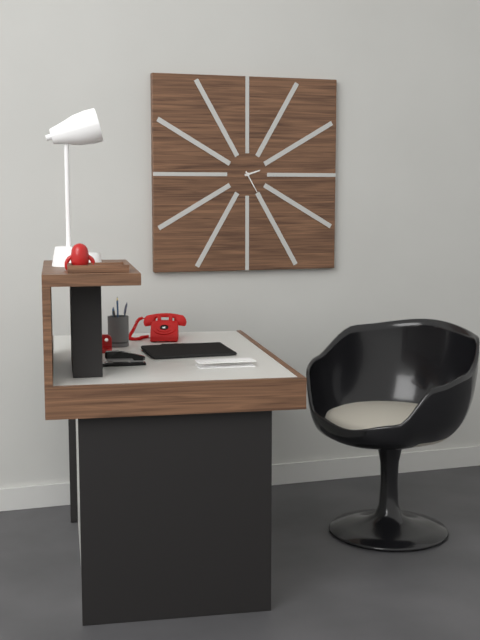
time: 2:25
